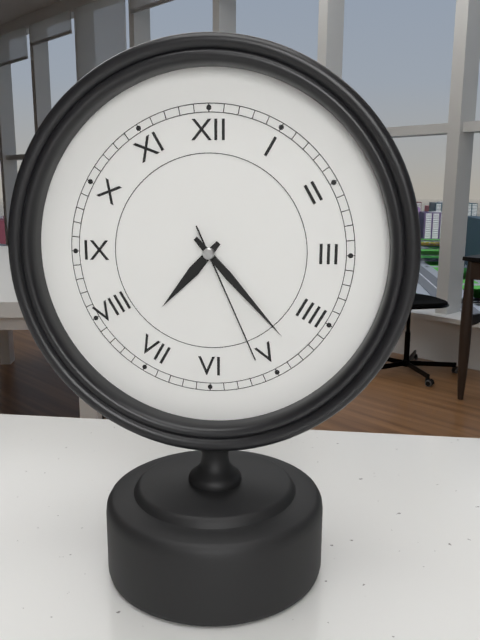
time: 7:23:26
